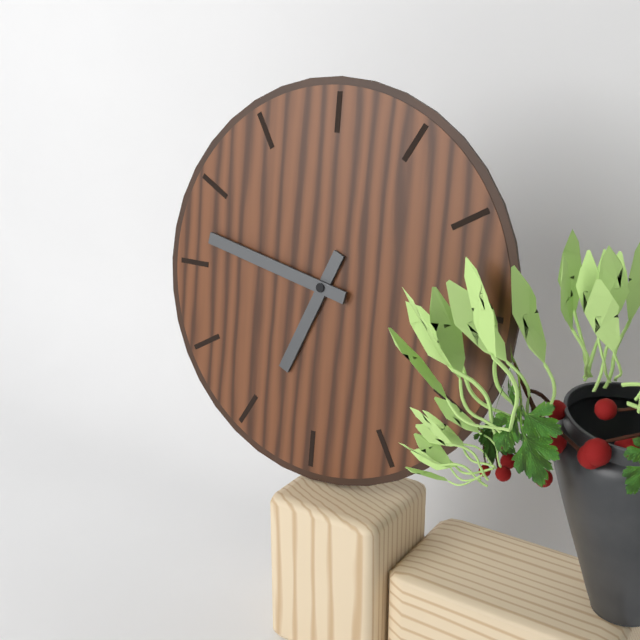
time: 6:47
